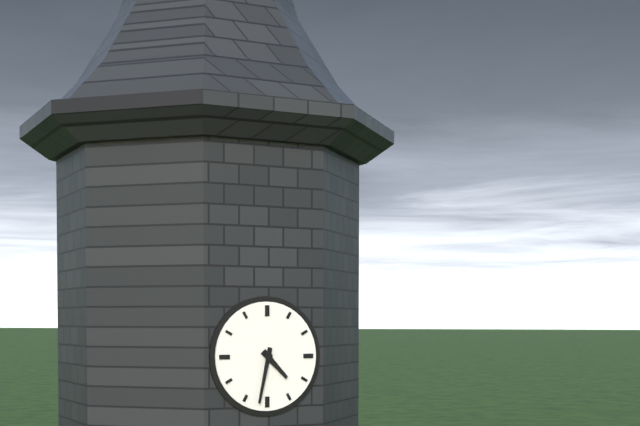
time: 4:32
